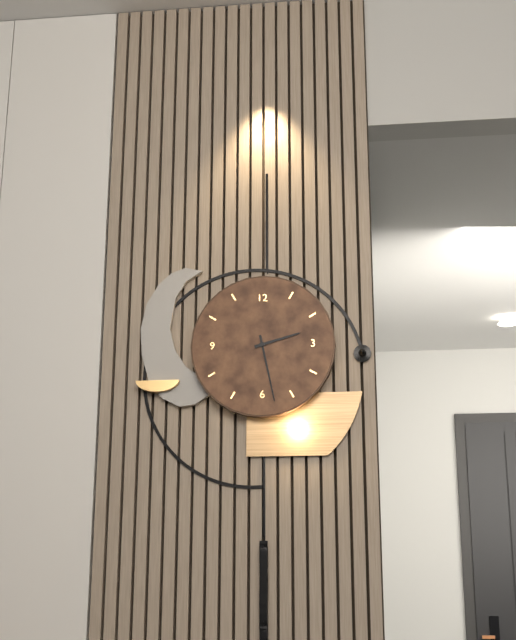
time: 2:28
